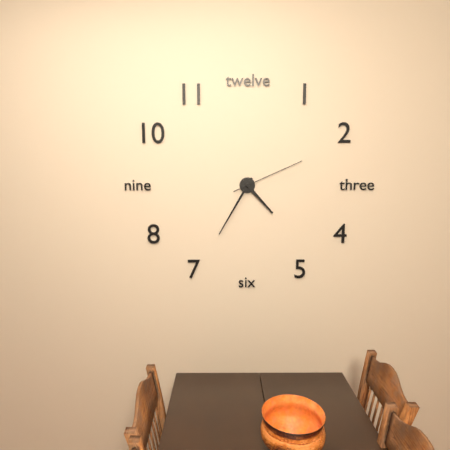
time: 4:35:11
